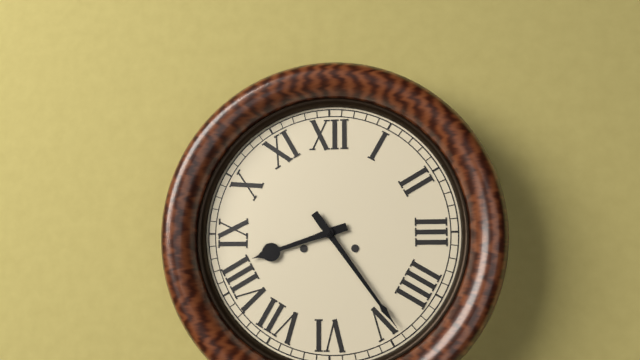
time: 8:24
